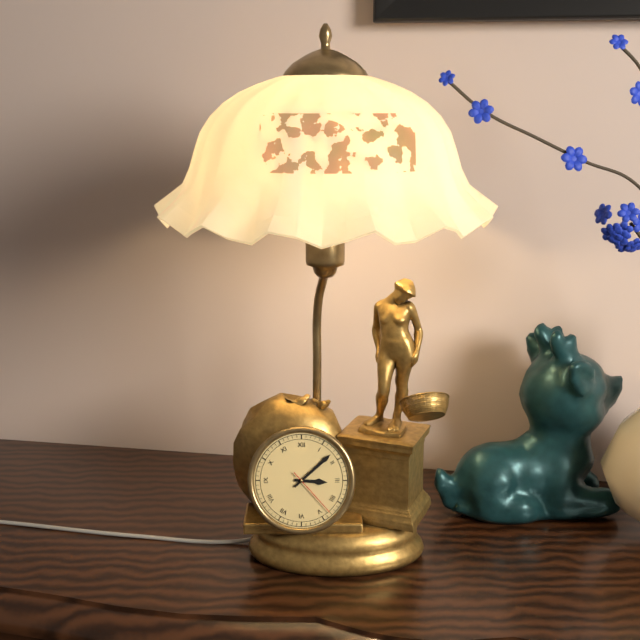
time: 3:08:23
